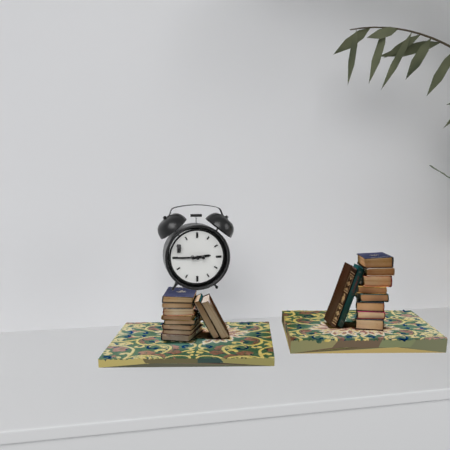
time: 2:45
